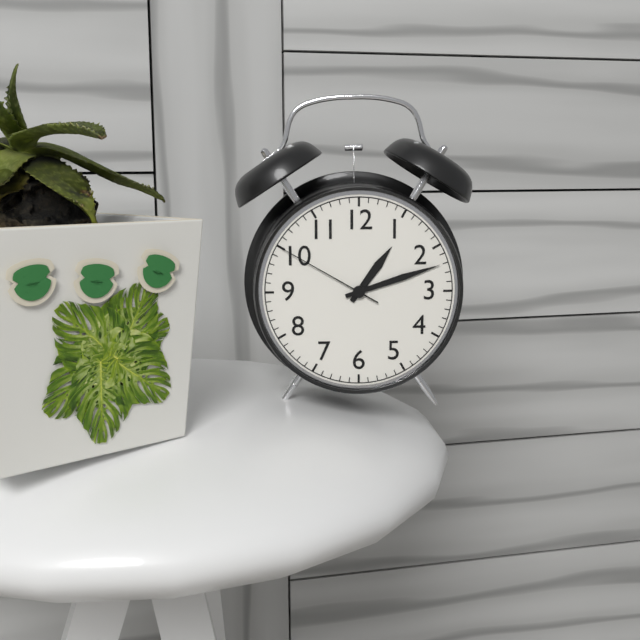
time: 1:12:50
